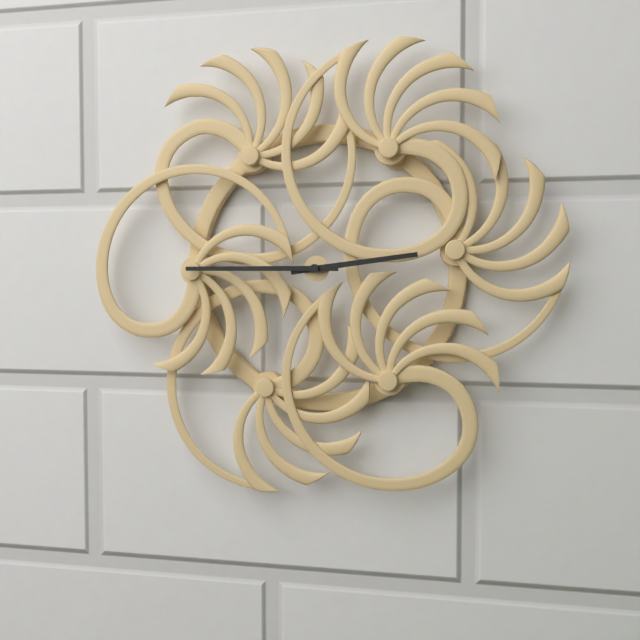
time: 2:45
